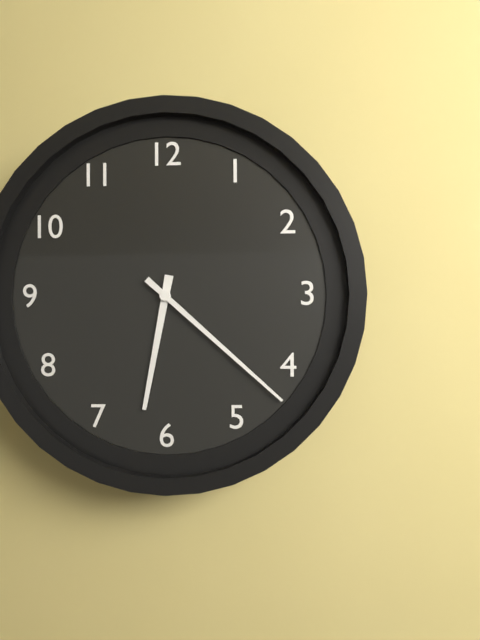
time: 6:22
